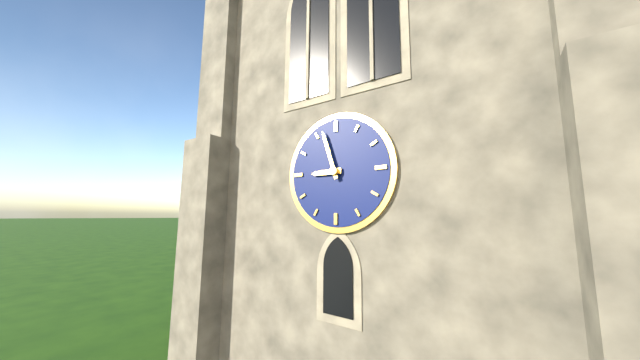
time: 8:57
